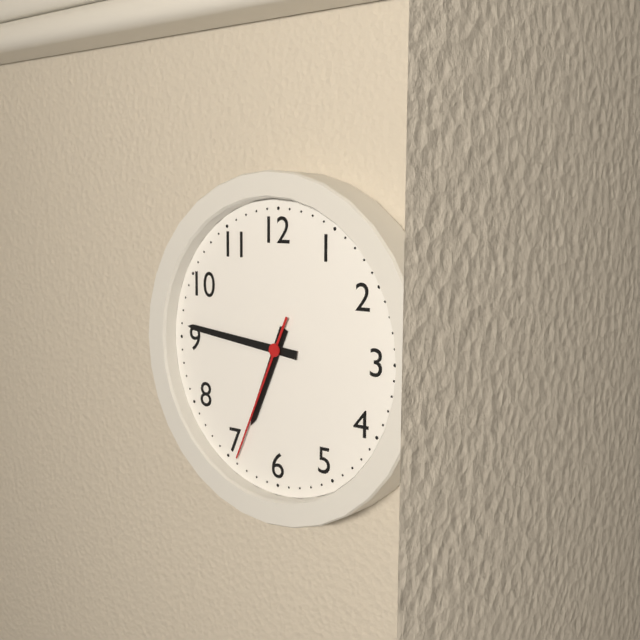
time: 6:46:34
